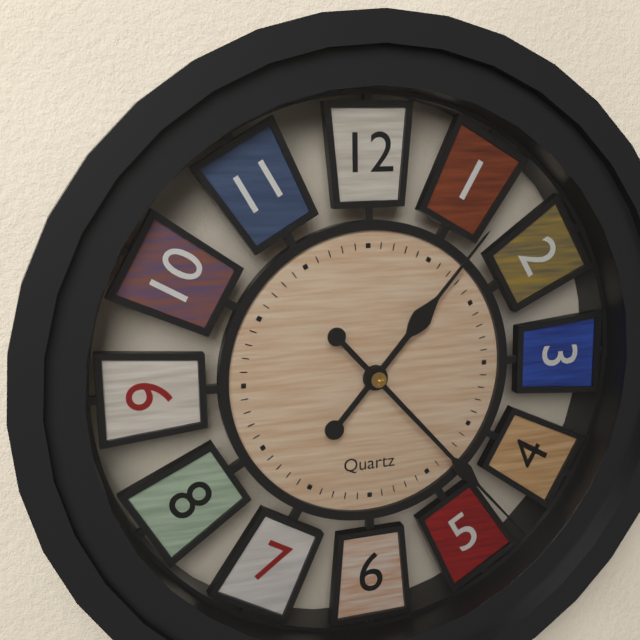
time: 1:23
